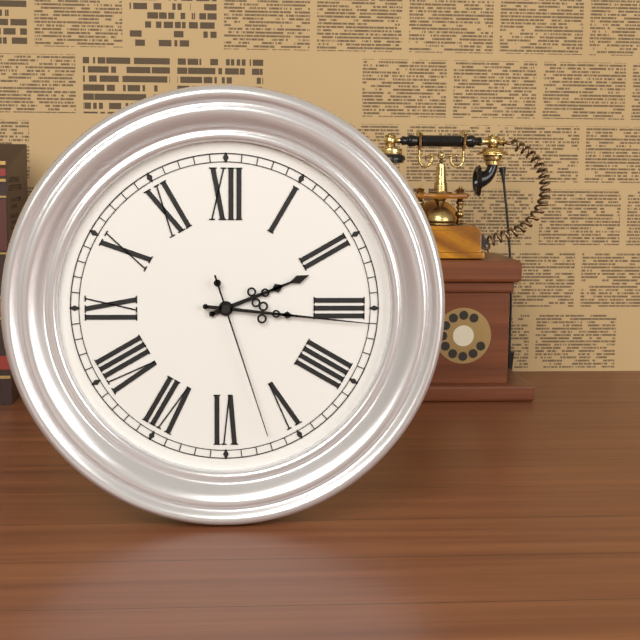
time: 2:16:27
